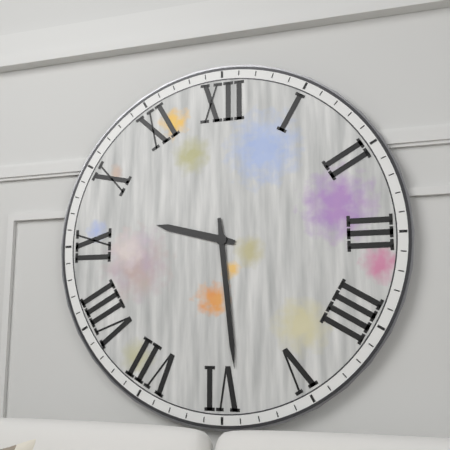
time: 9:29
